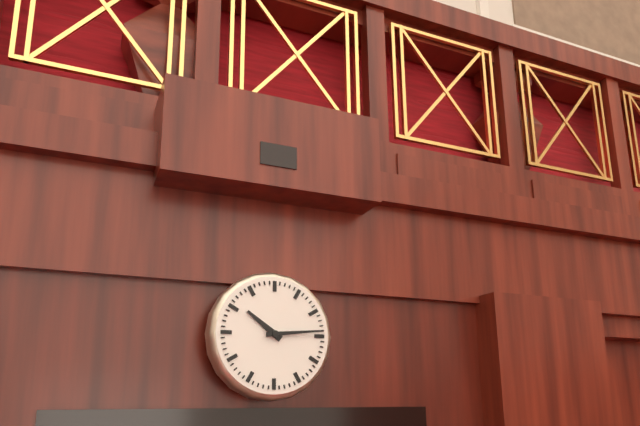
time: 10:14
